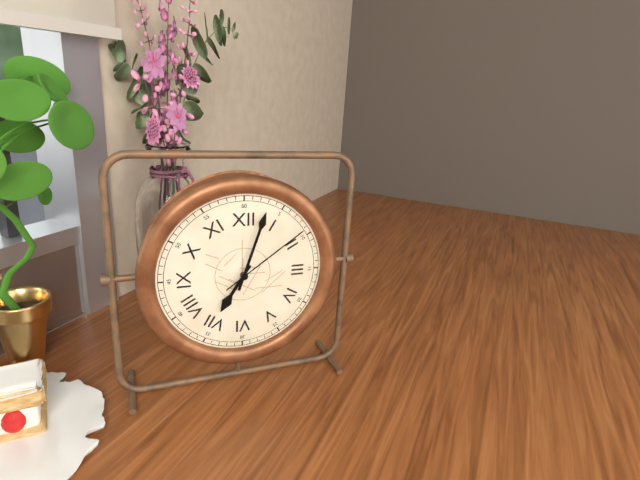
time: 7:03:09
